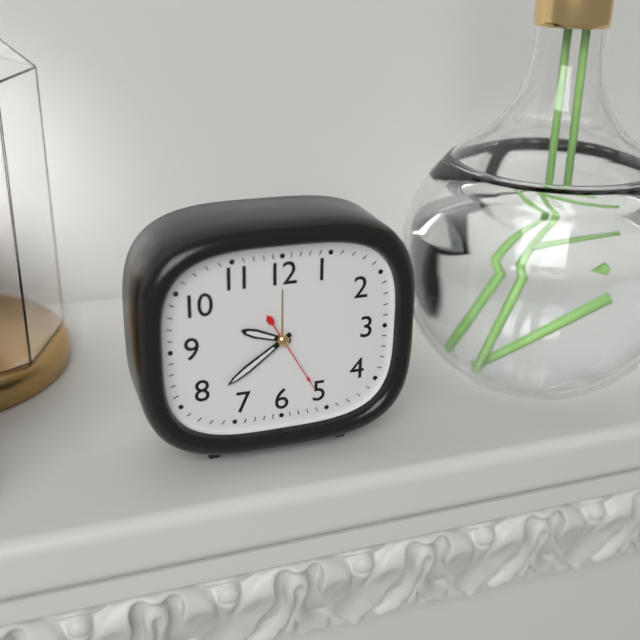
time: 9:39:25
